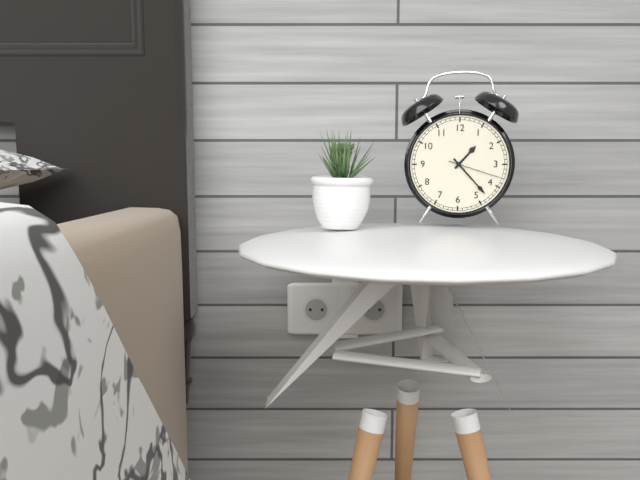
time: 1:23:18
